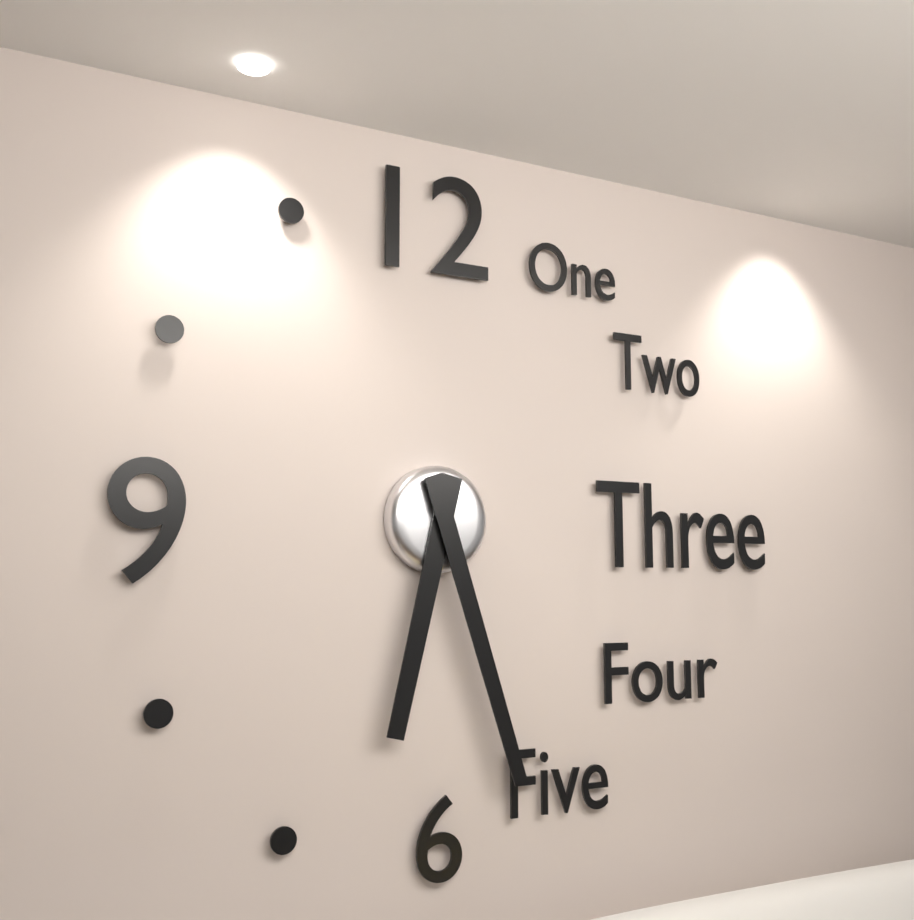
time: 6:27
